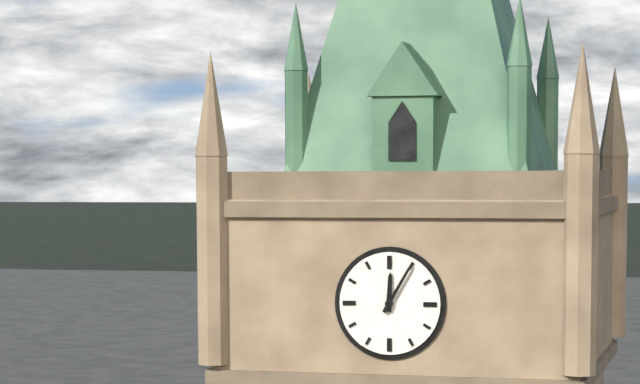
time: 12:05
